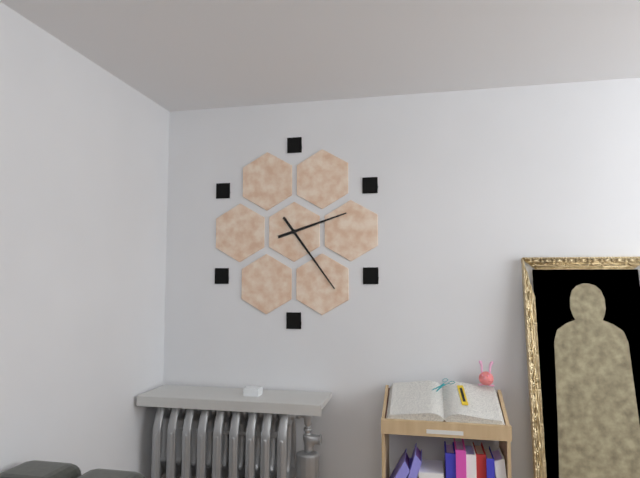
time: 2:24
